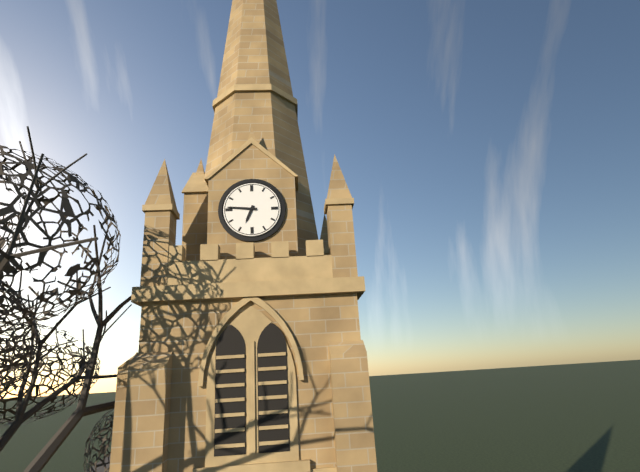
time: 6:46
